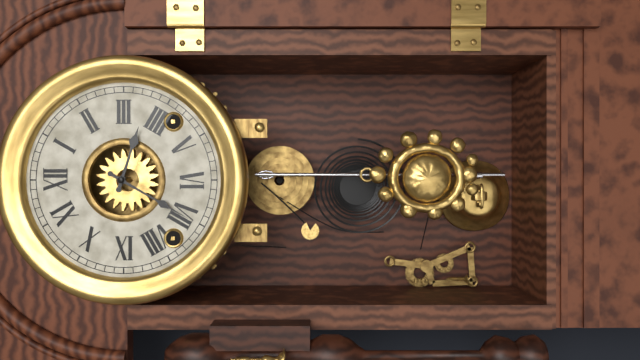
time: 3:35
